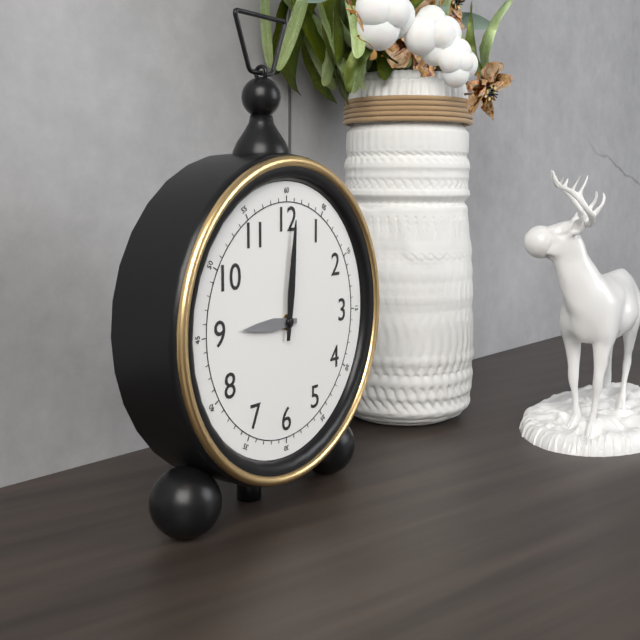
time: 9:01
